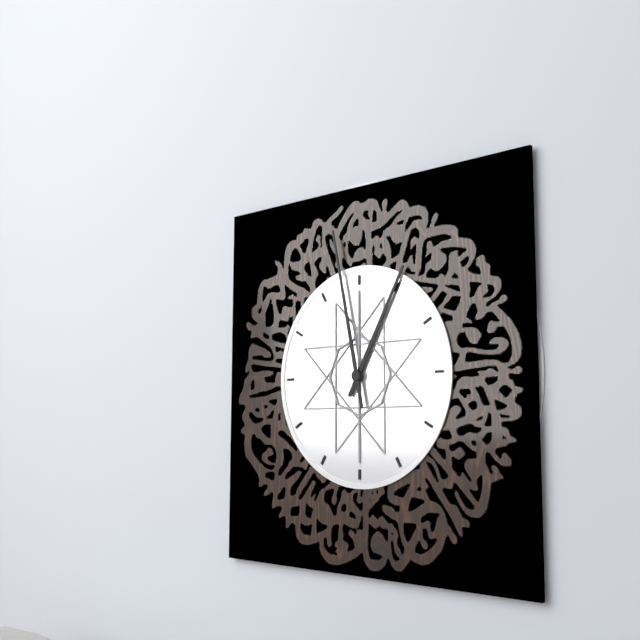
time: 12:58
